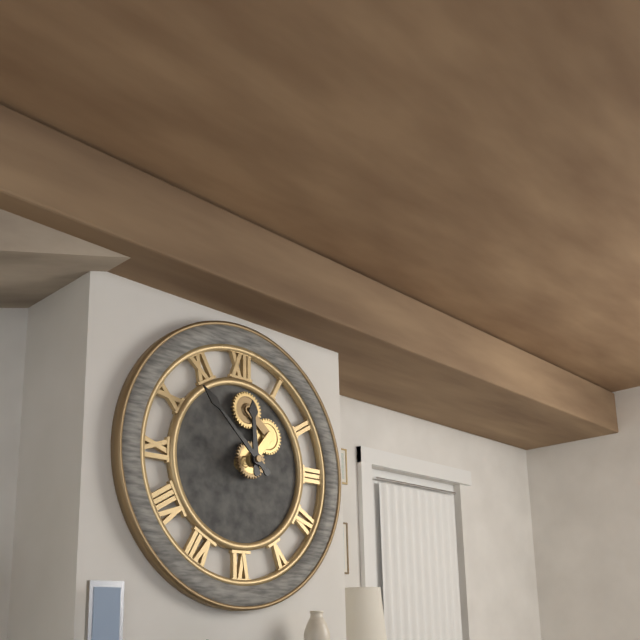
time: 11:52
